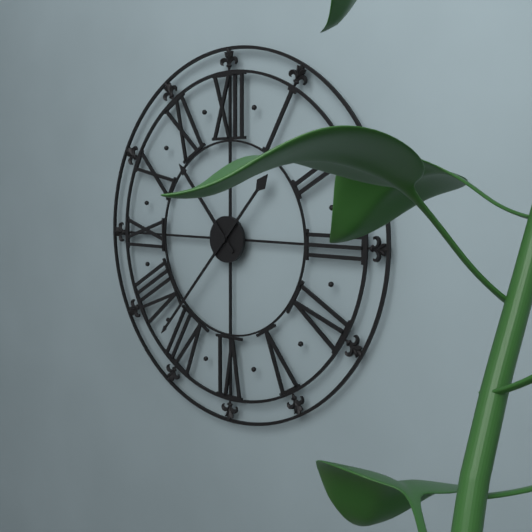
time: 10:37
